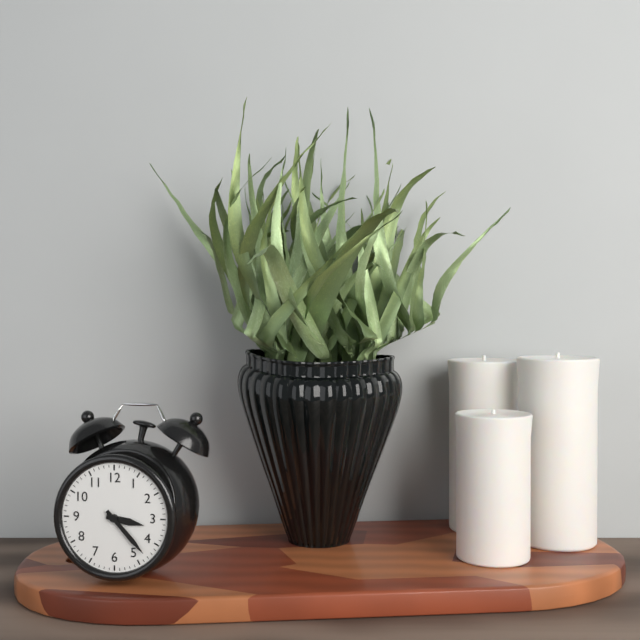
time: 3:23
